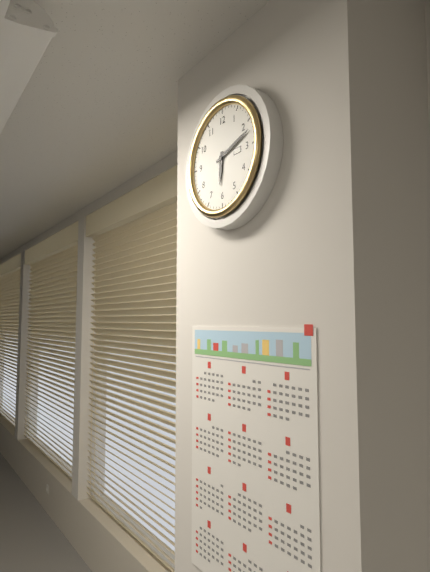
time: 6:12
